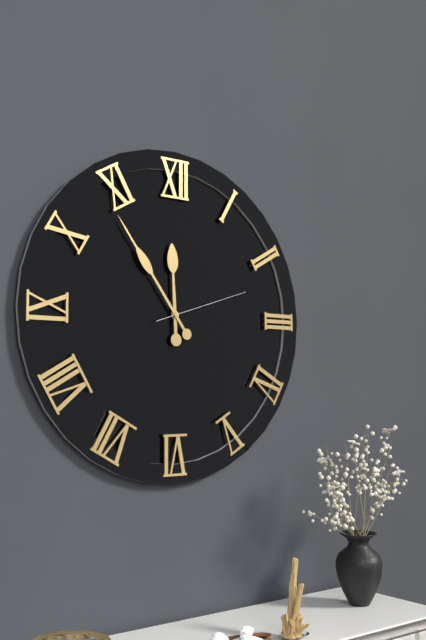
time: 11:54:12
